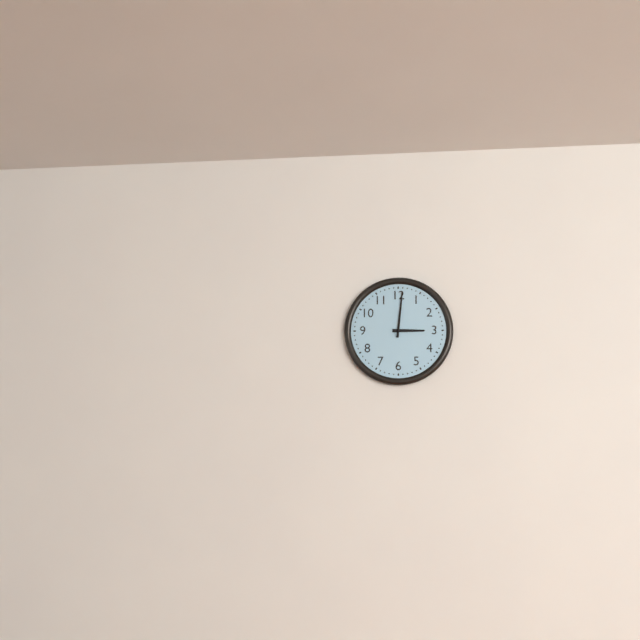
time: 3:01
